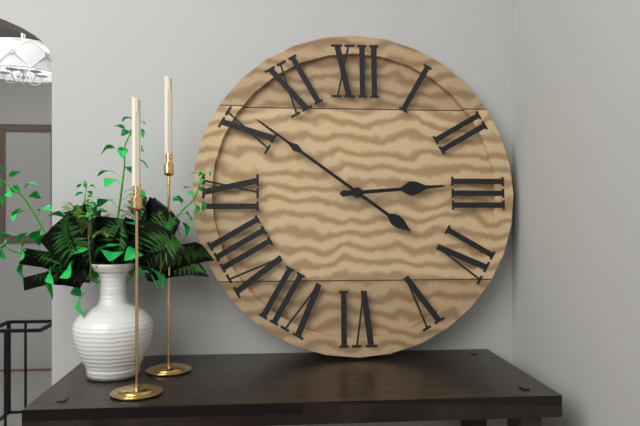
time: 2:51
